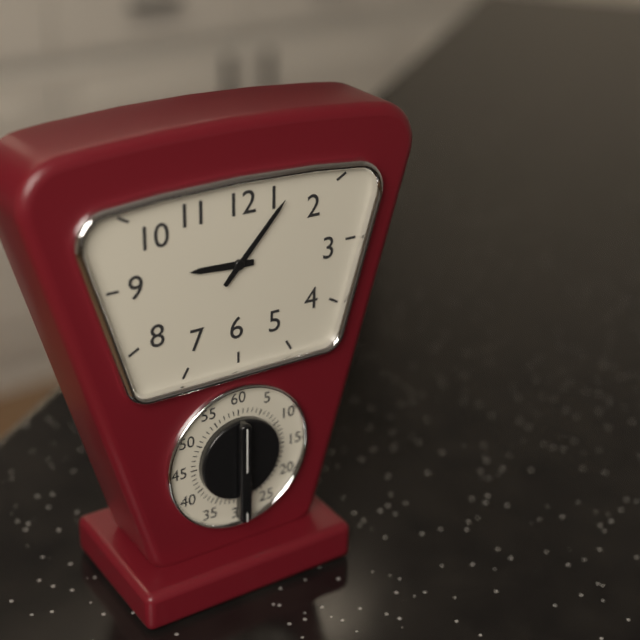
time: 9:07
